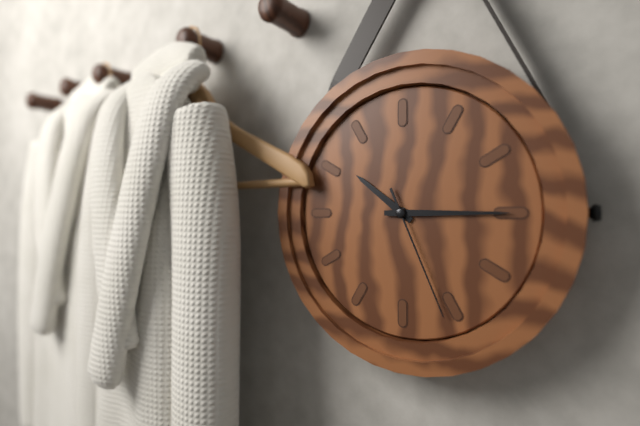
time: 10:15:26
